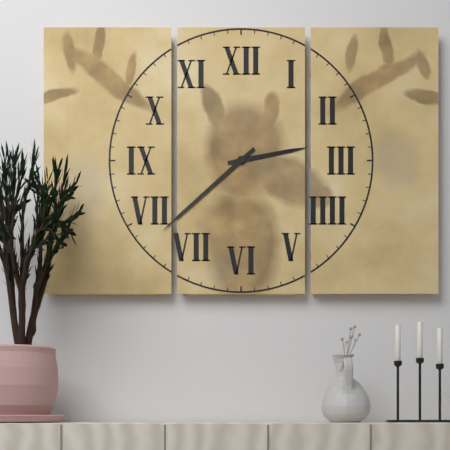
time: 2:38
